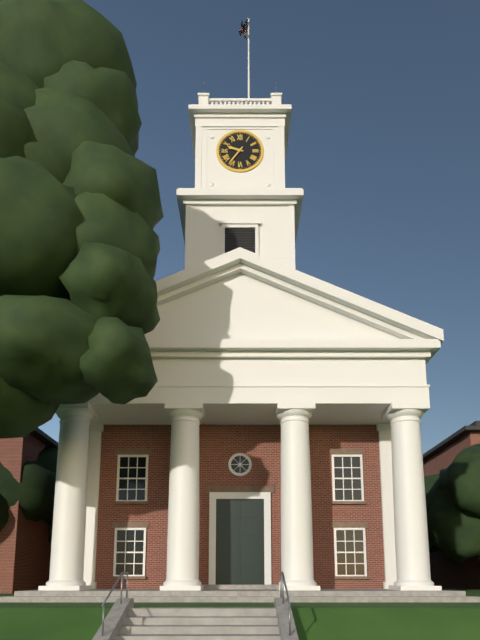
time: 9:36
